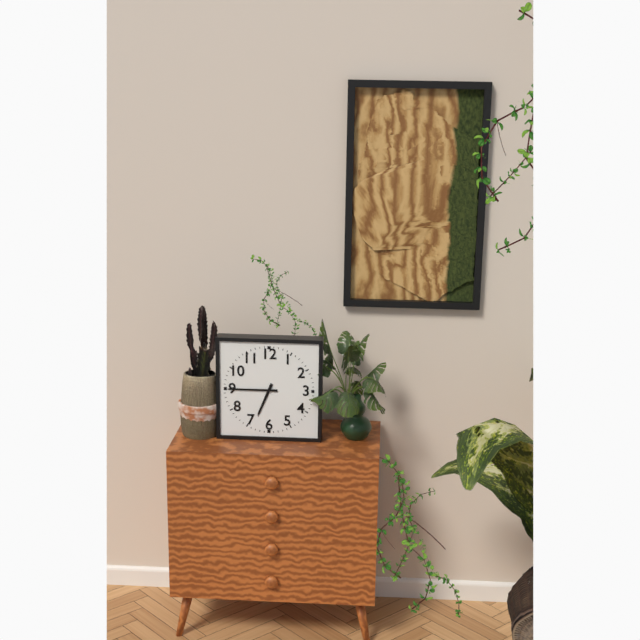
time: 6:45
